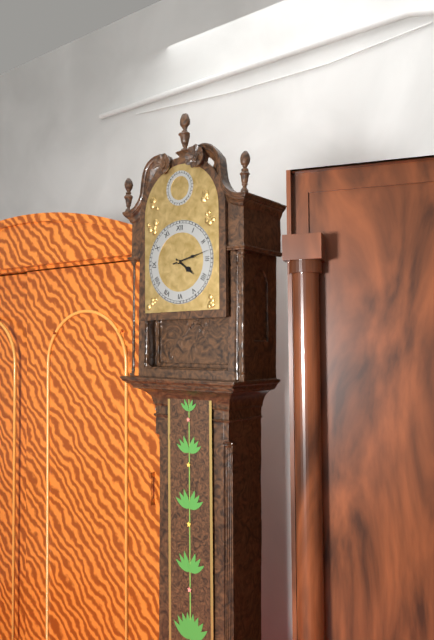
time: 4:13
